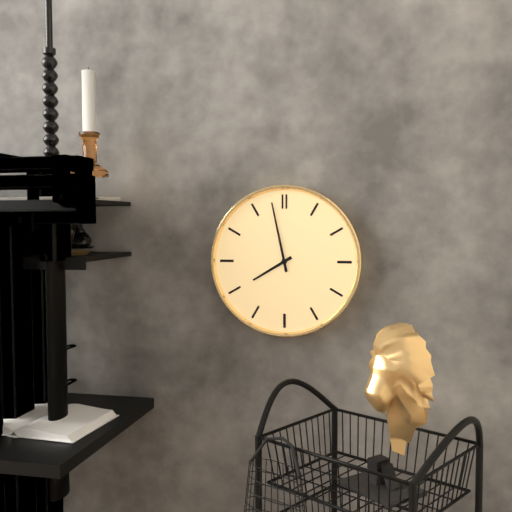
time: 7:58
